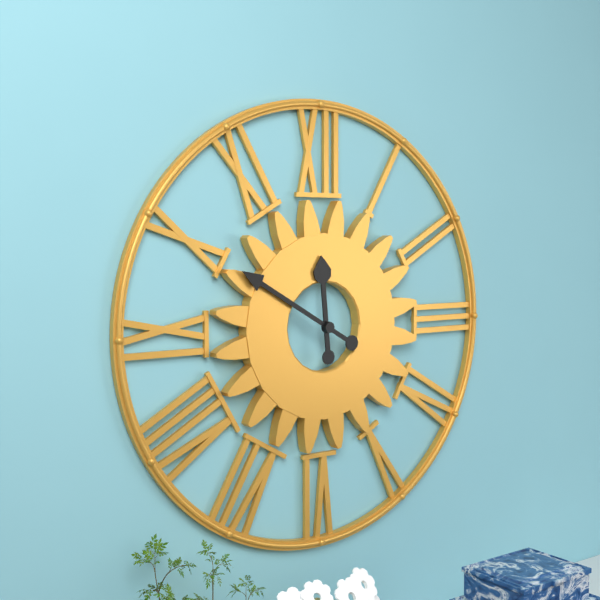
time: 11:50
